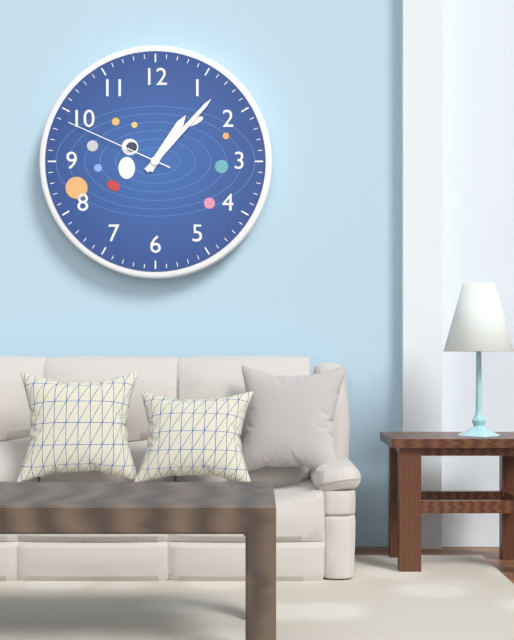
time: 1:07:49
